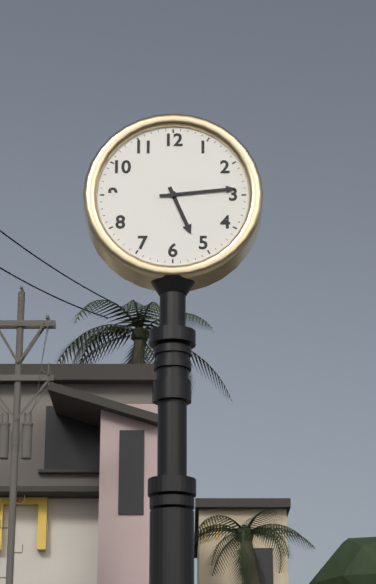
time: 5:14
